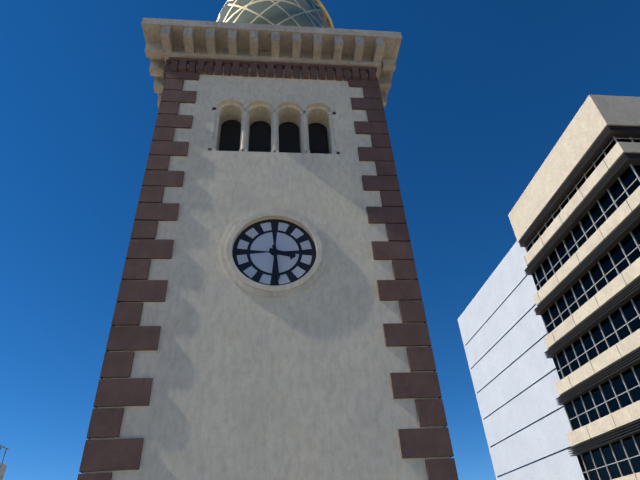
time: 3:29
